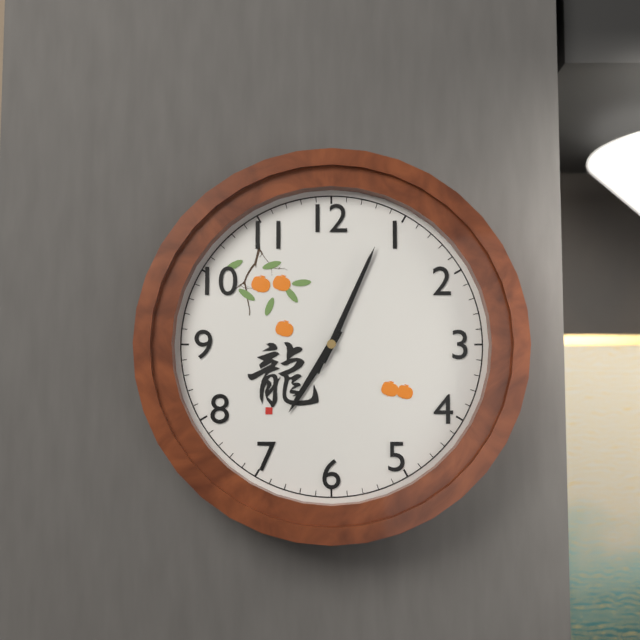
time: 7:04:04
